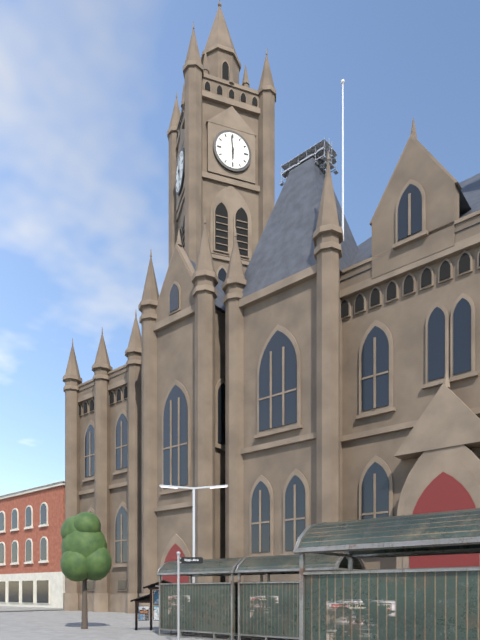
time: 5:59
